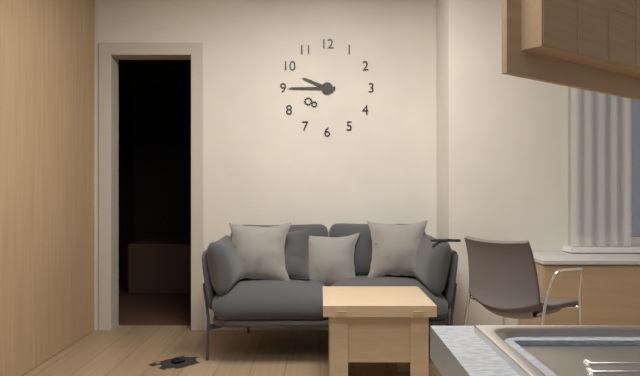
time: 9:45
